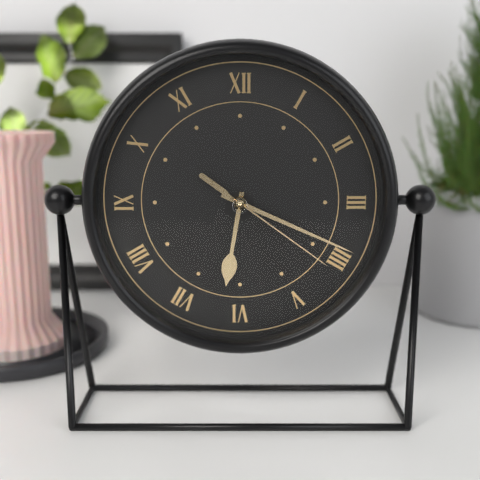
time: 6:19:21
